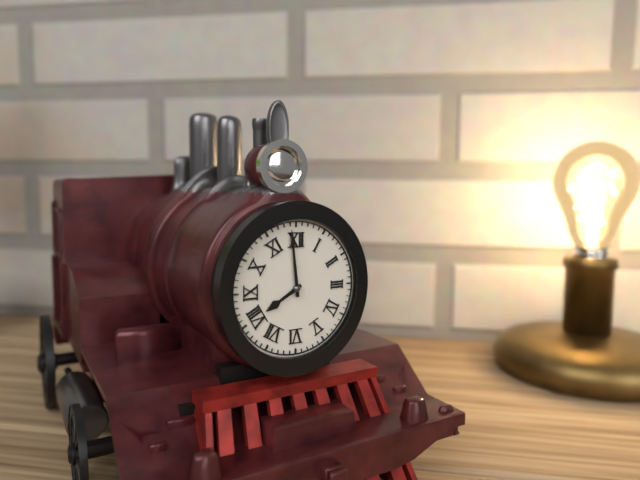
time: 7:59
